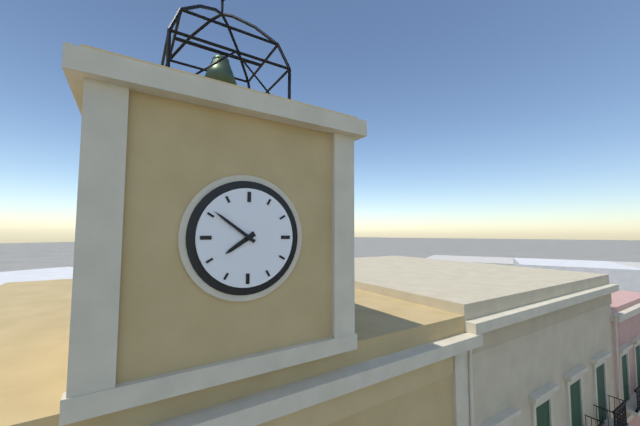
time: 7:51
